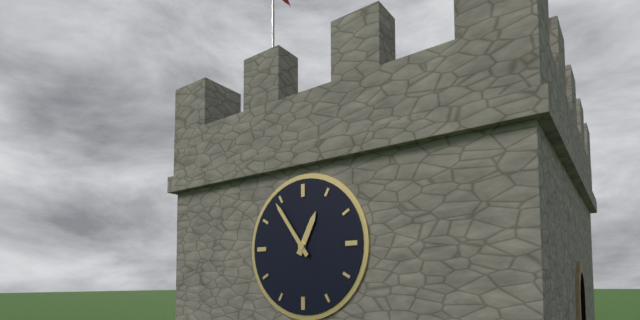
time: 12:54
